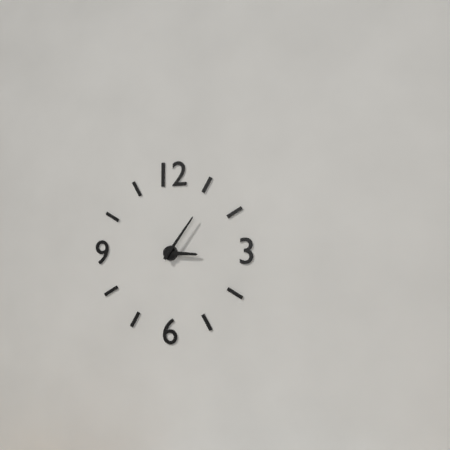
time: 3:06
